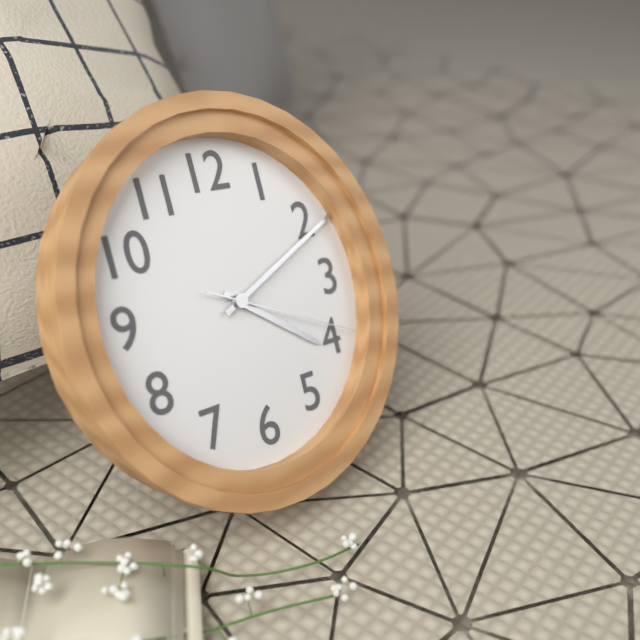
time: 4:11:19
